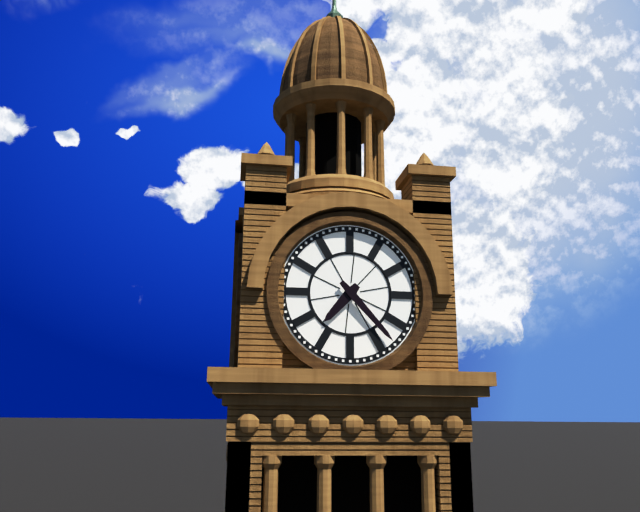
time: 7:23
